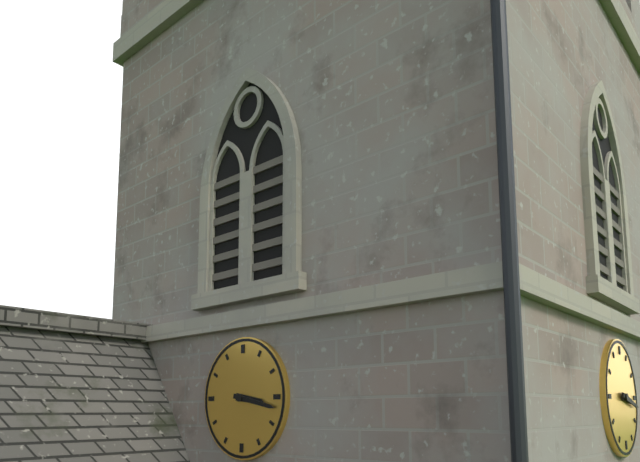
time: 3:17
